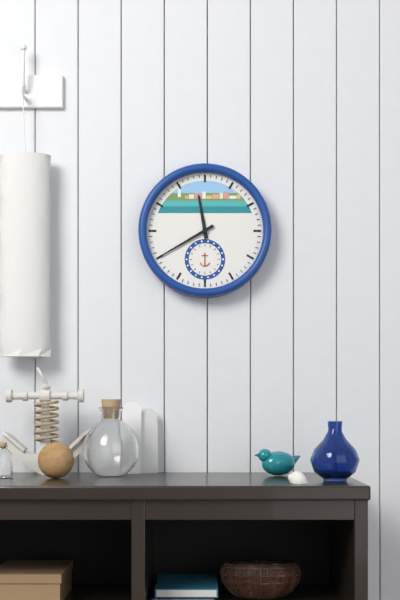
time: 11:40
